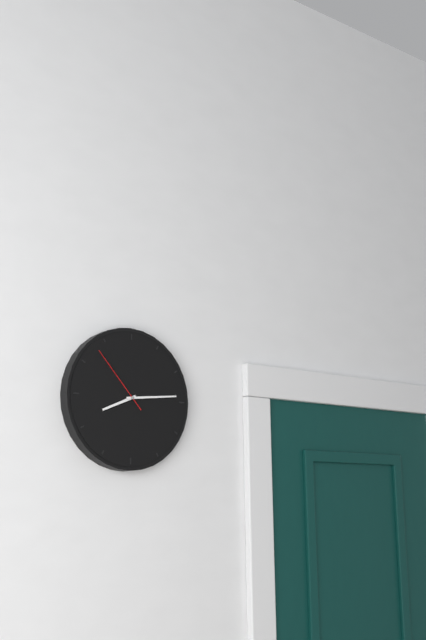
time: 8:14:53
